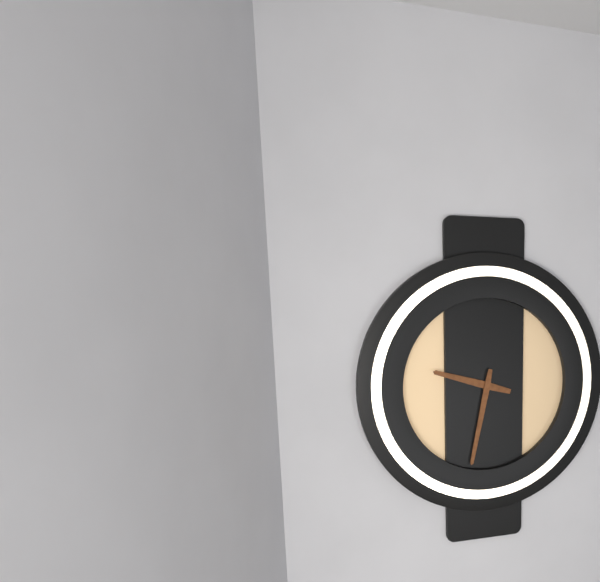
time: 9:32
